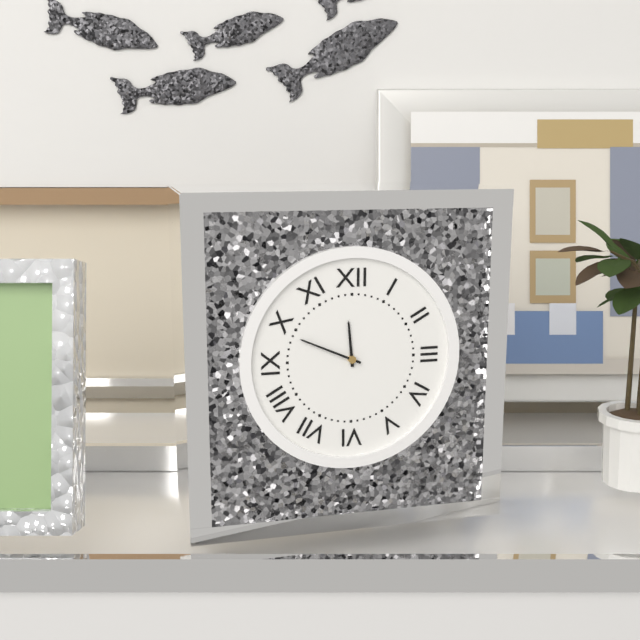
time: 11:49
